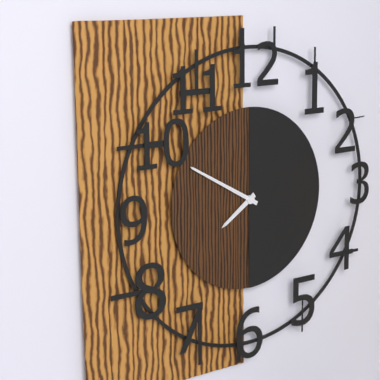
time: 7:50
